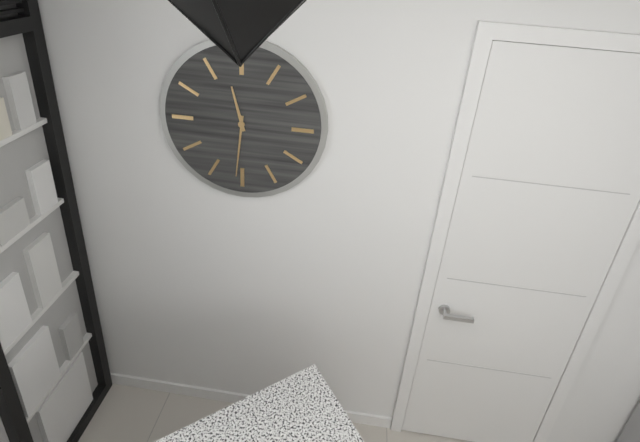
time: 11:31
